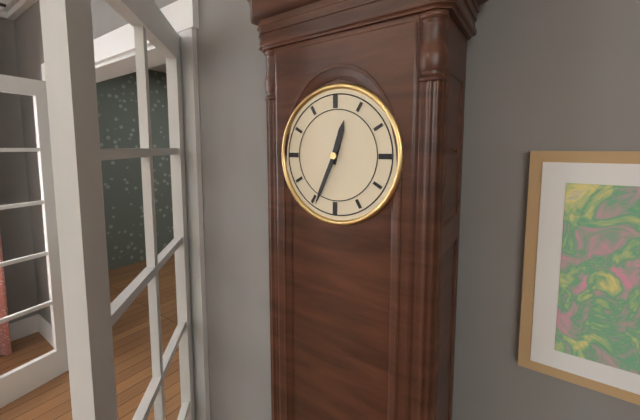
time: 12:34
